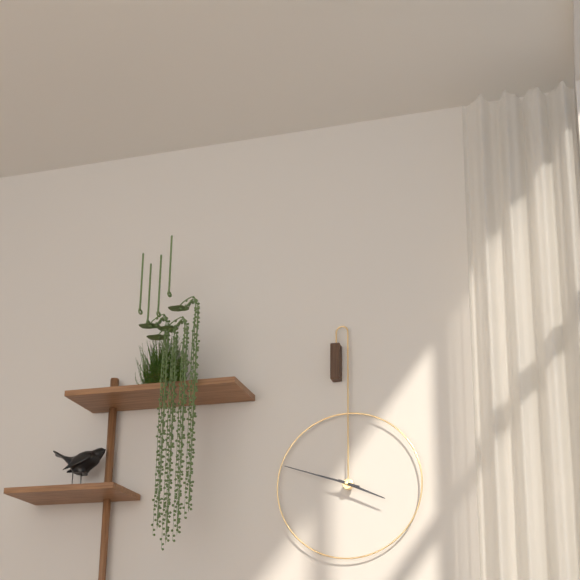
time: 3:48
